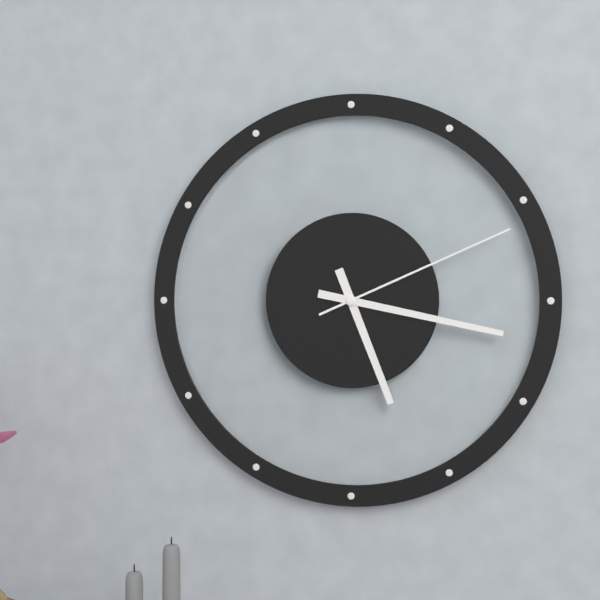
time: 5:17:11
